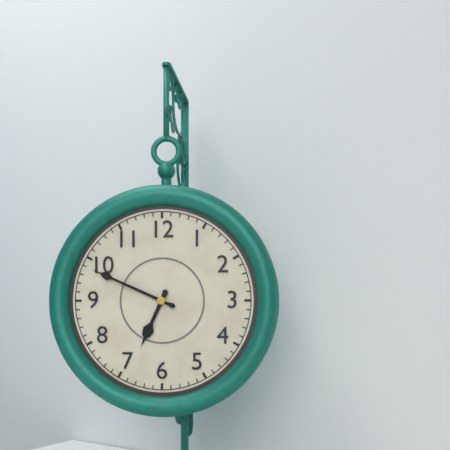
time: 6:49
